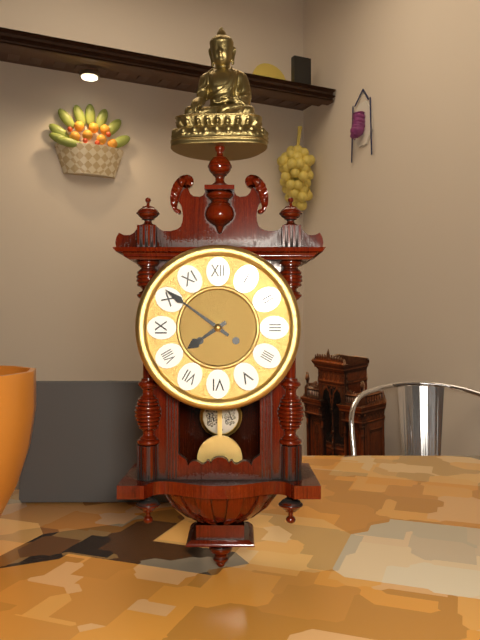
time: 7:51
